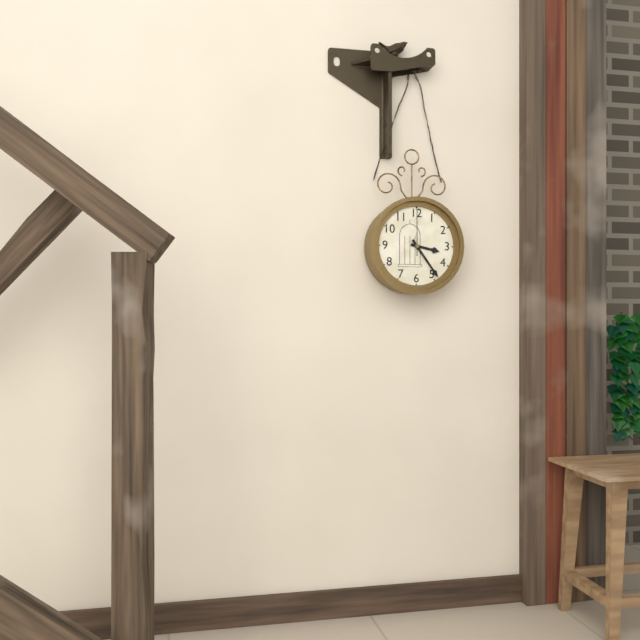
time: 3:24:00
